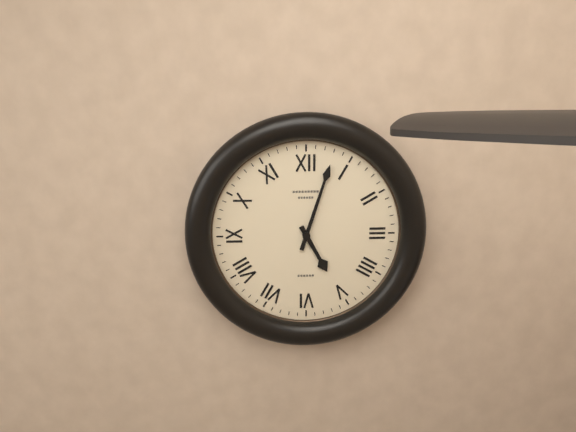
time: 5:03
